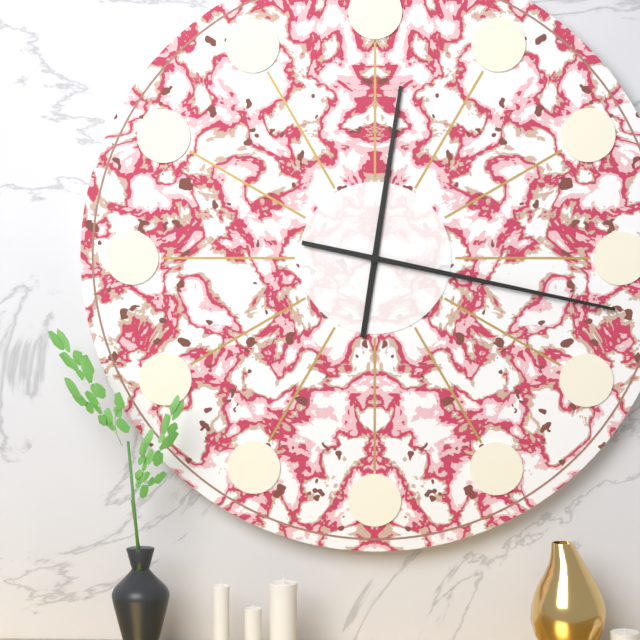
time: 12:17
